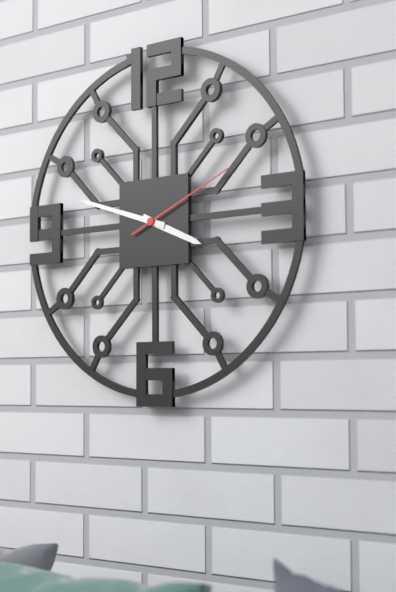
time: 3:48:11
